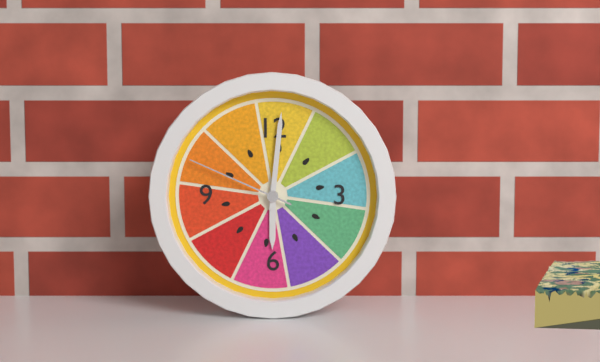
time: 6:01:49
